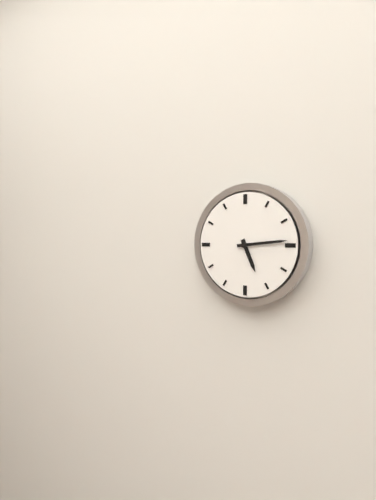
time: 5:14
